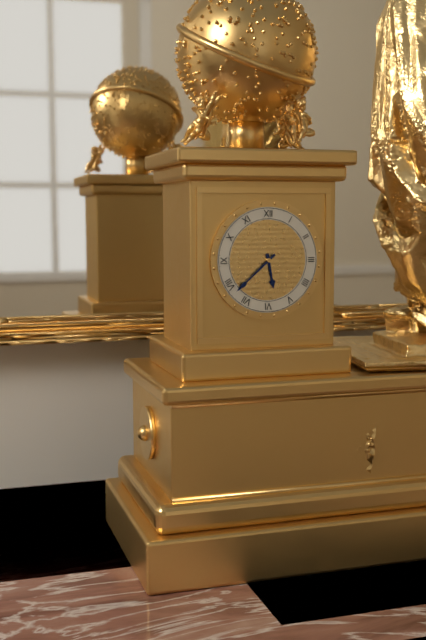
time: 5:38
